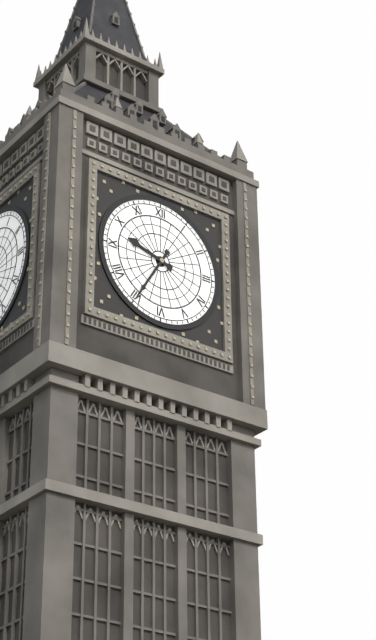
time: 9:35
